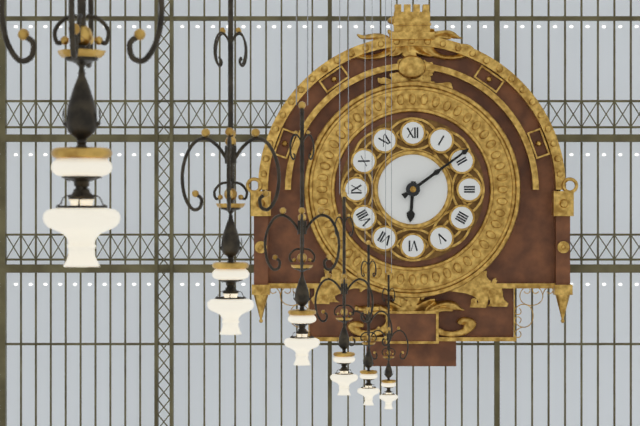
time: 6:09
